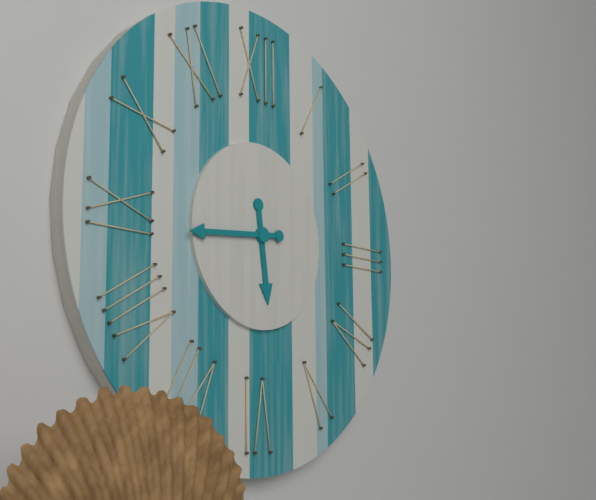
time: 5:44
